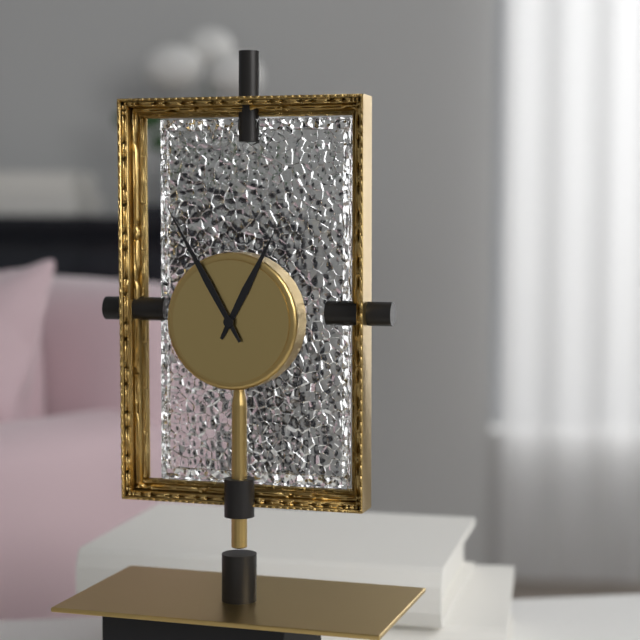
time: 12:55
